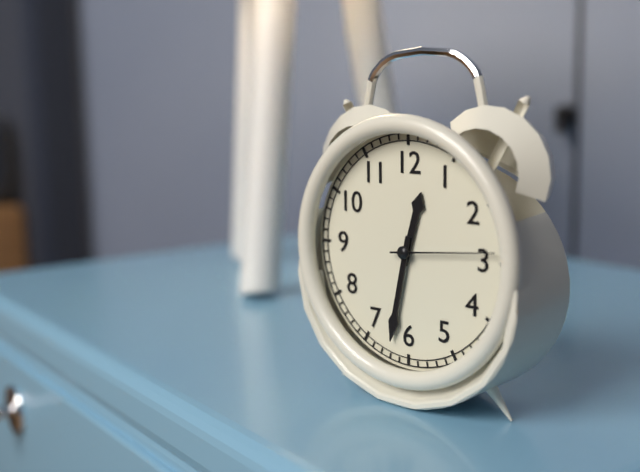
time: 12:32:14
